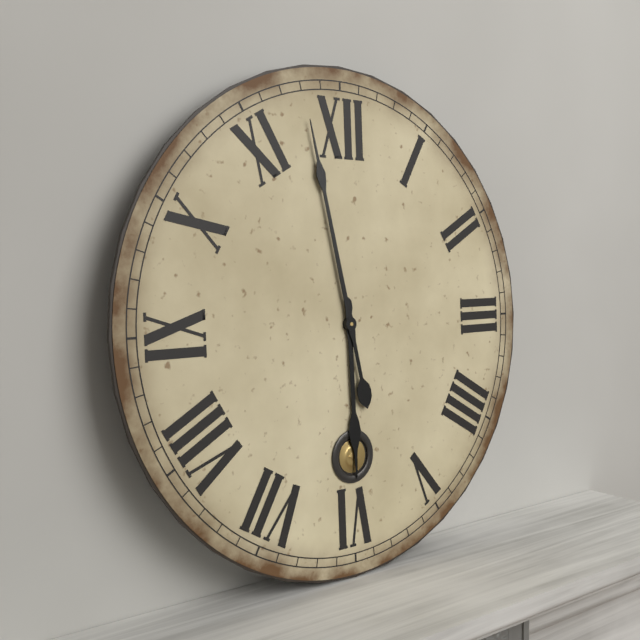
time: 5:58
